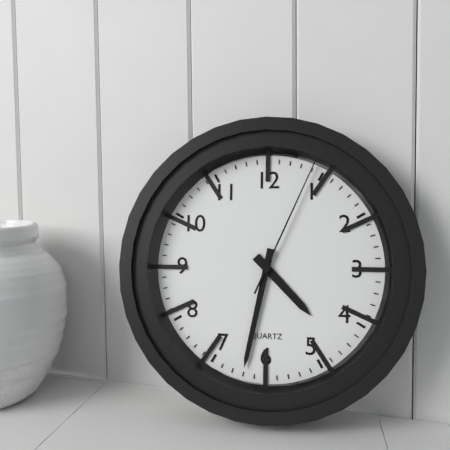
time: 4:32:04
